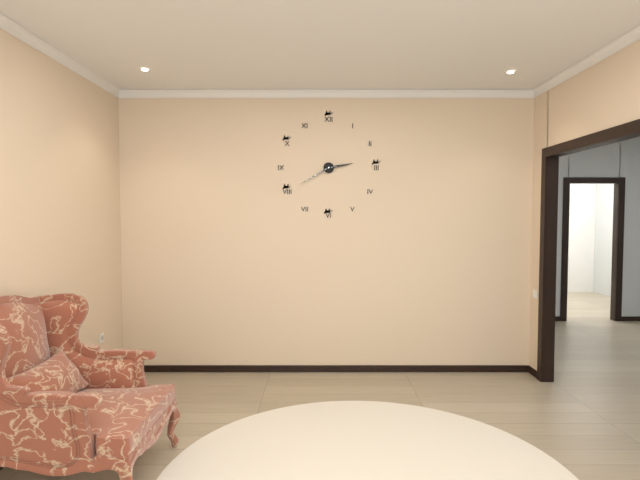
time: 2:40
